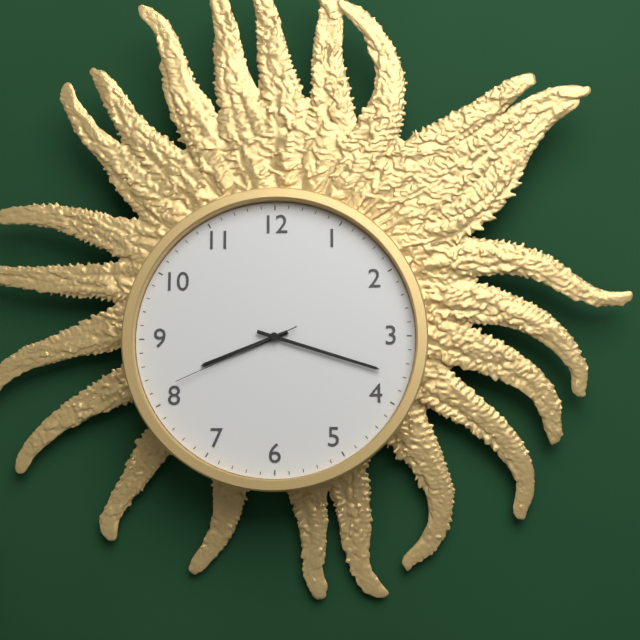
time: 8:18:41
